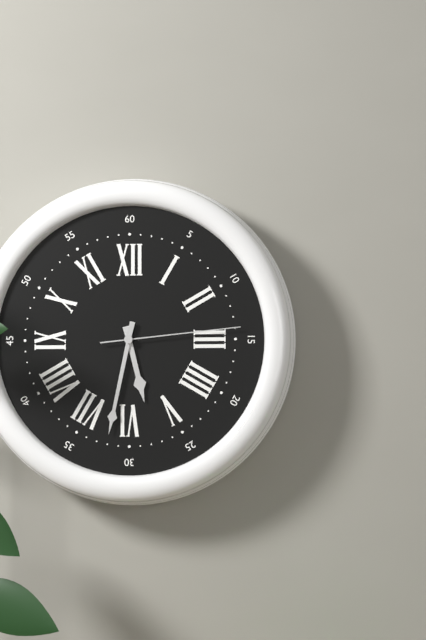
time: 5:32:14
